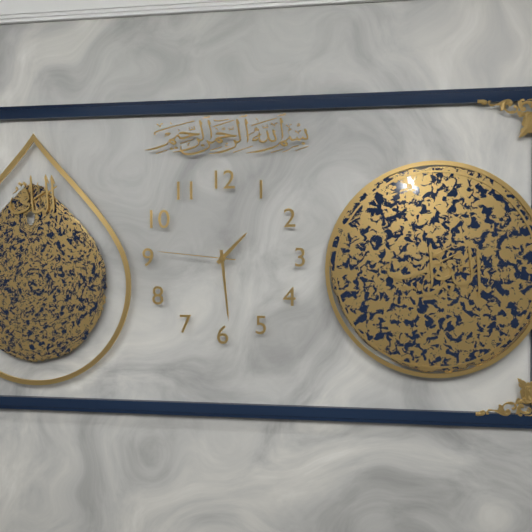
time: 1:29:46
